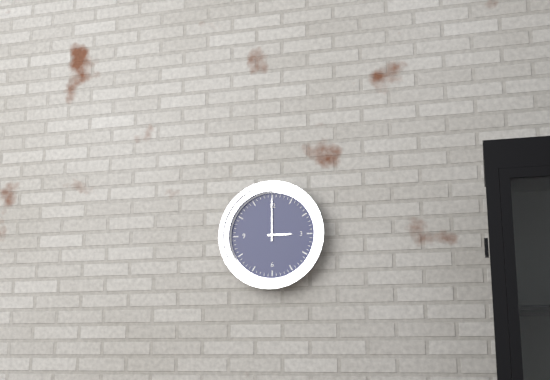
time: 3:00
